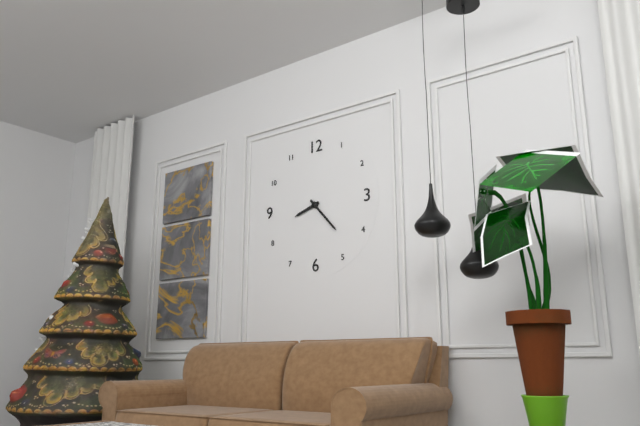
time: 8:23
